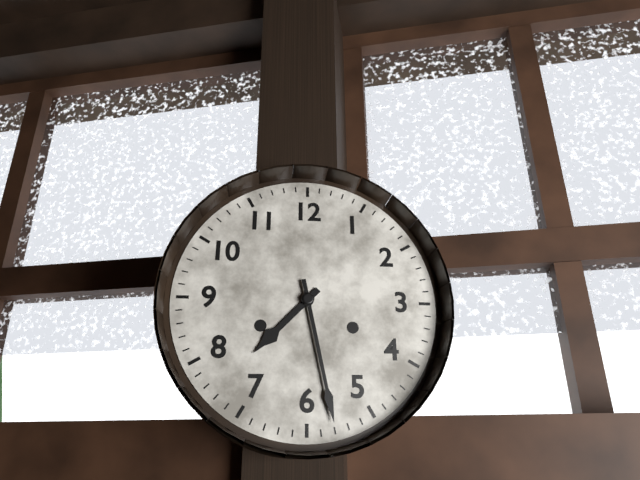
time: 7:28
